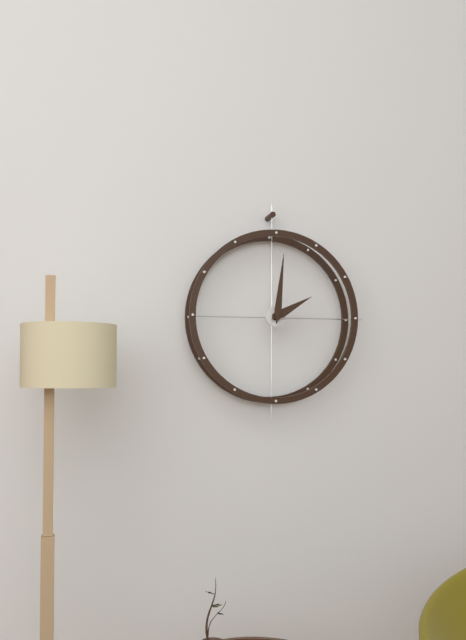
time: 2:01
